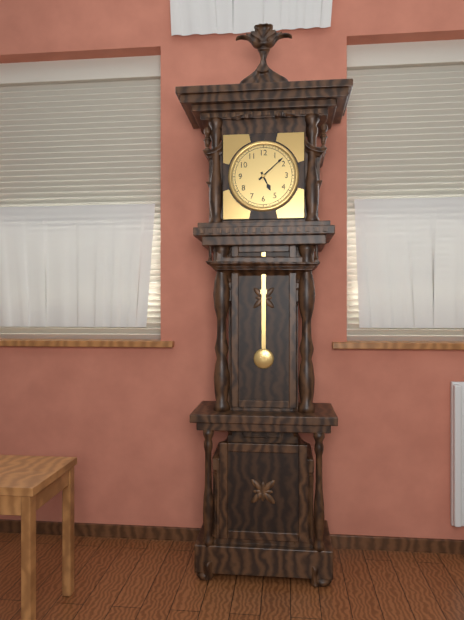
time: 5:08
